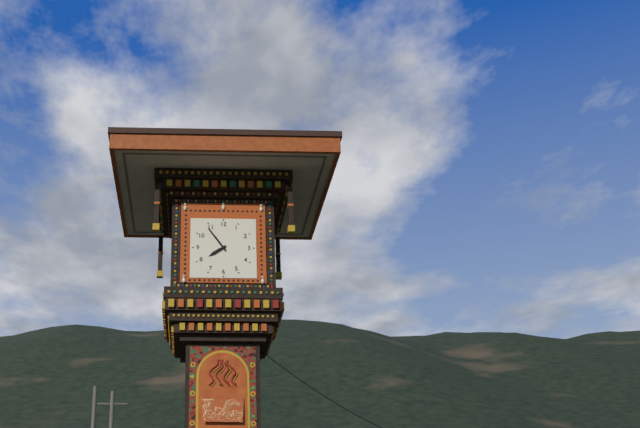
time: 7:54
